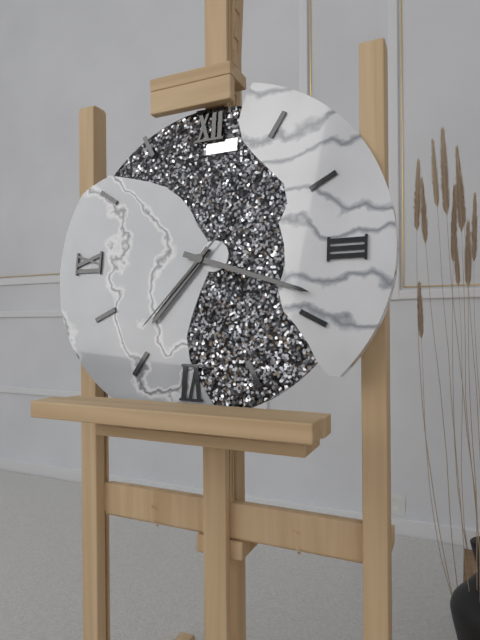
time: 7:18:37
